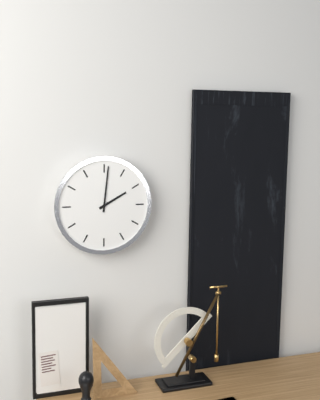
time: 2:01
